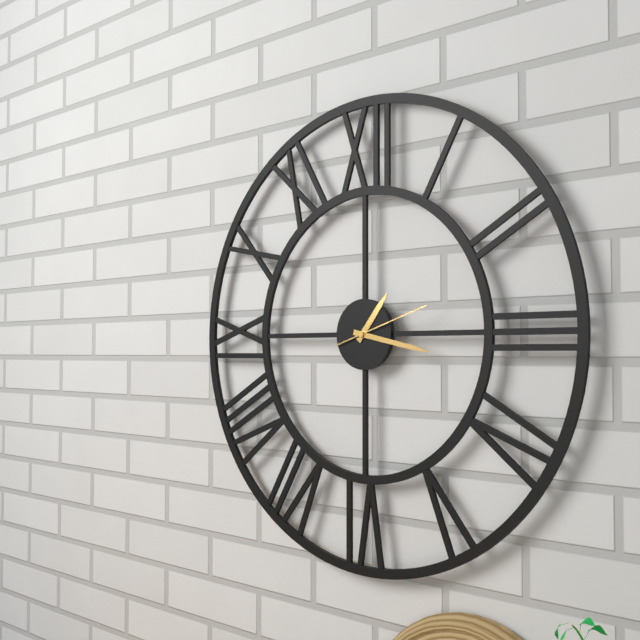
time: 1:17:12
